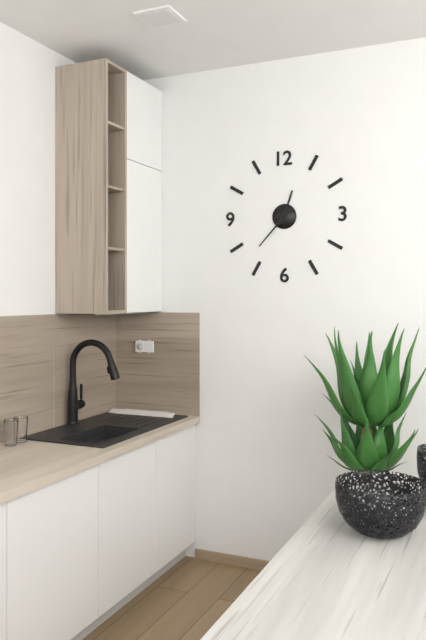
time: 12:37
